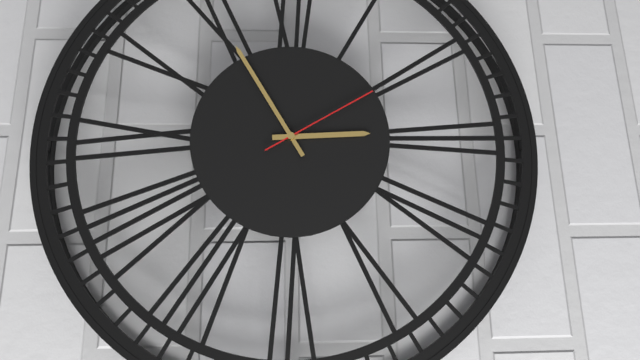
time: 2:55:10
